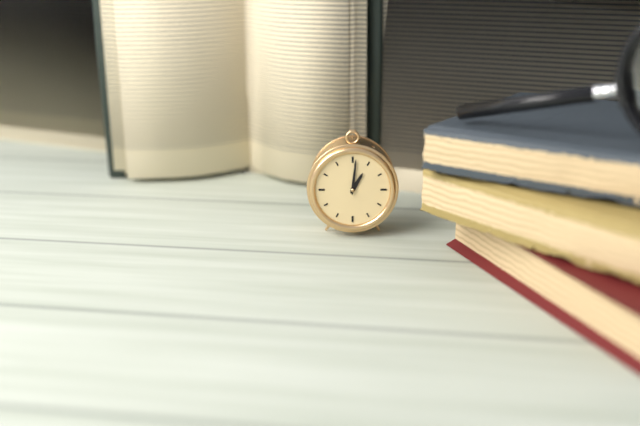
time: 1:01
